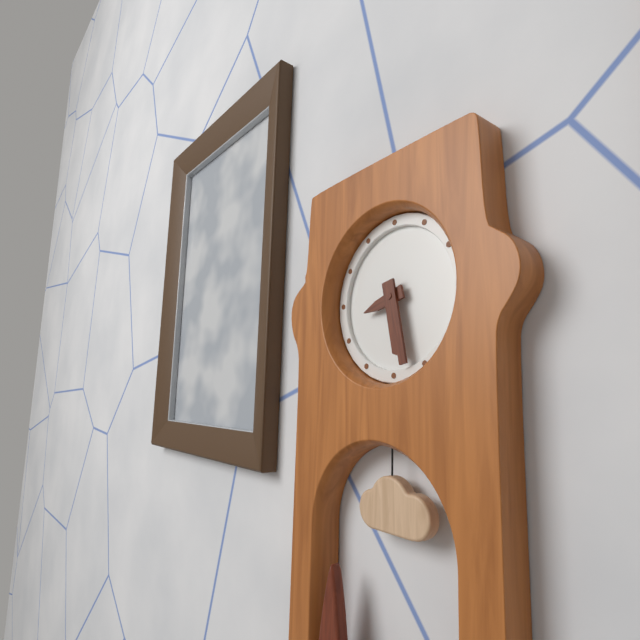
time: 8:28
